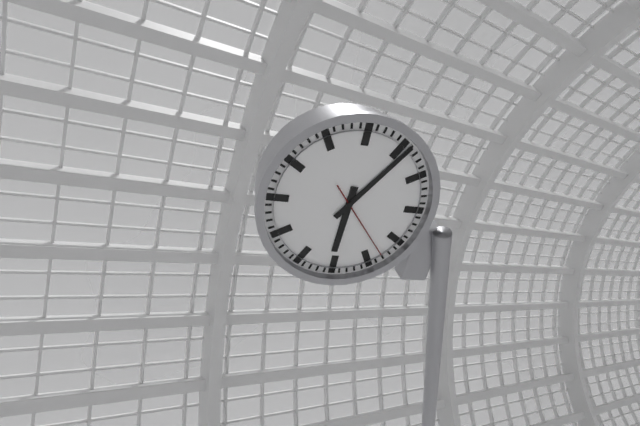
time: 6:06:23
